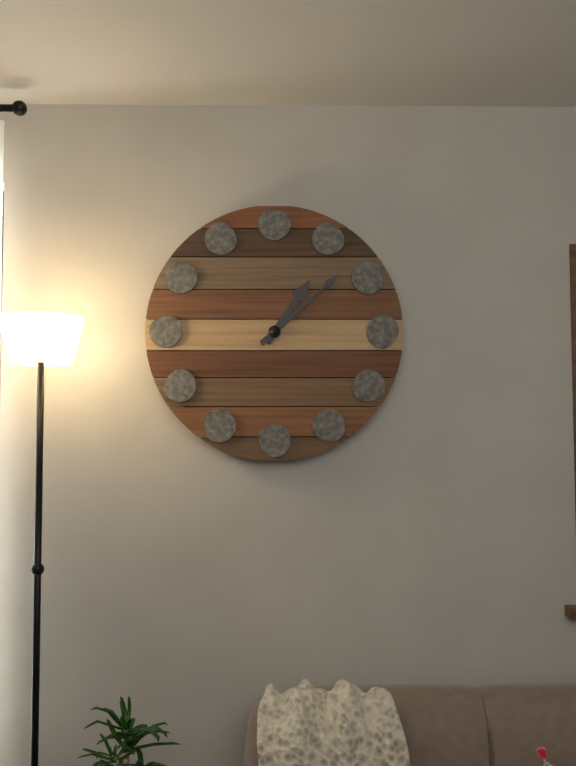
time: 1:08
